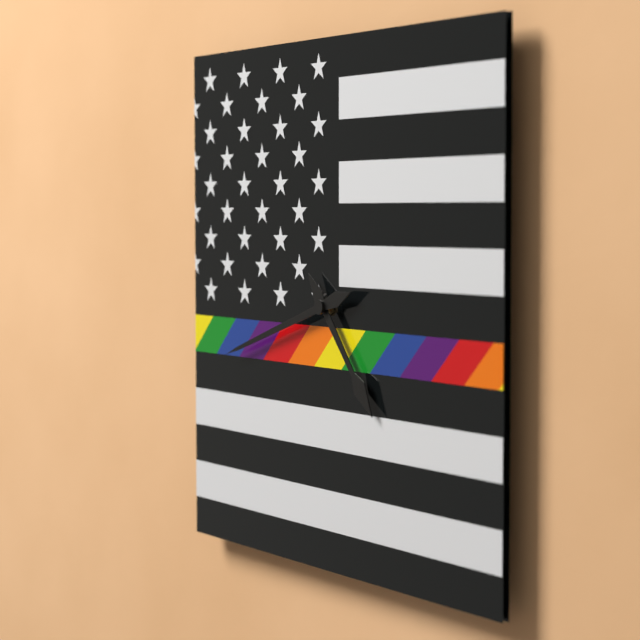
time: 4:42
